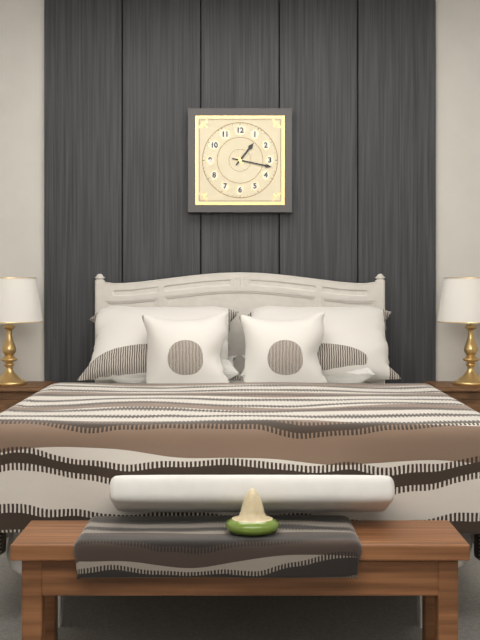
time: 1:17
